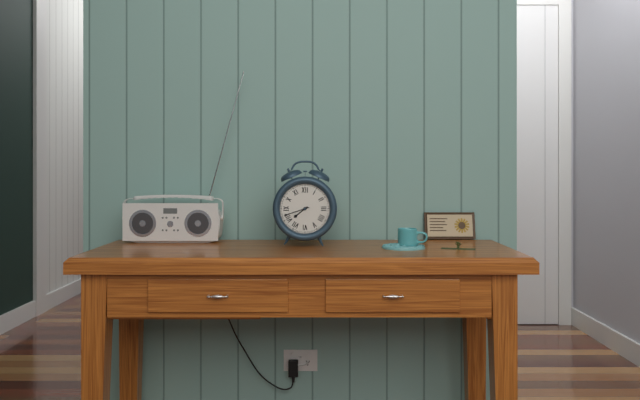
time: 7:42
